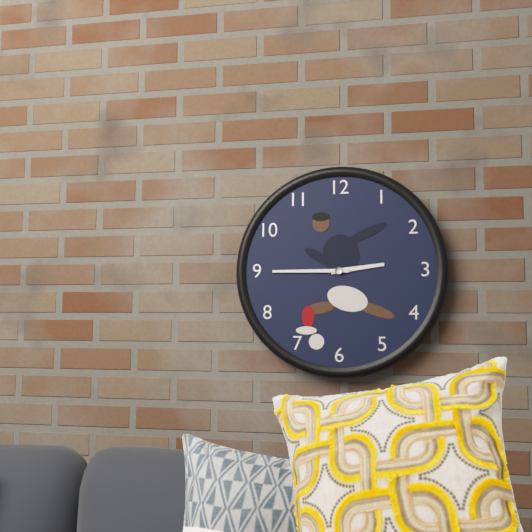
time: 2:45
